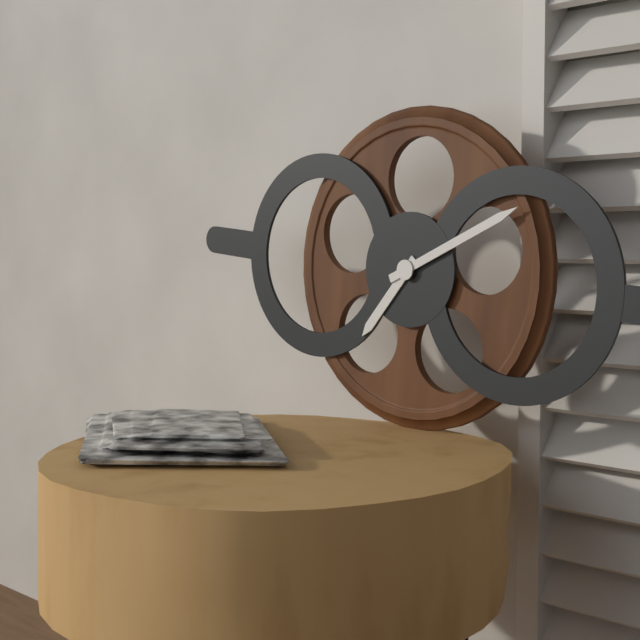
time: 7:10
